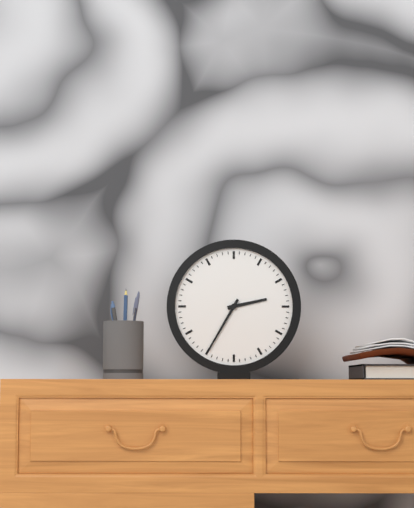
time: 2:35
